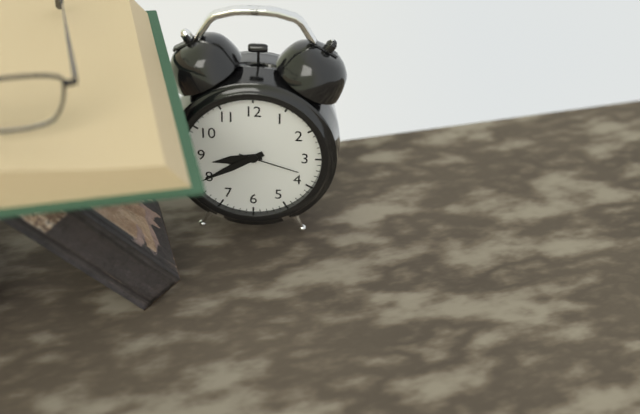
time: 8:40:18
